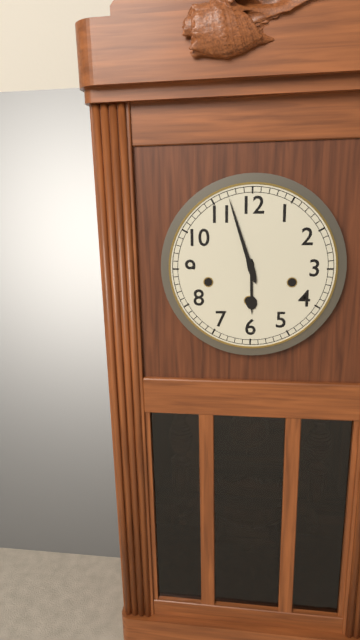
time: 5:57
